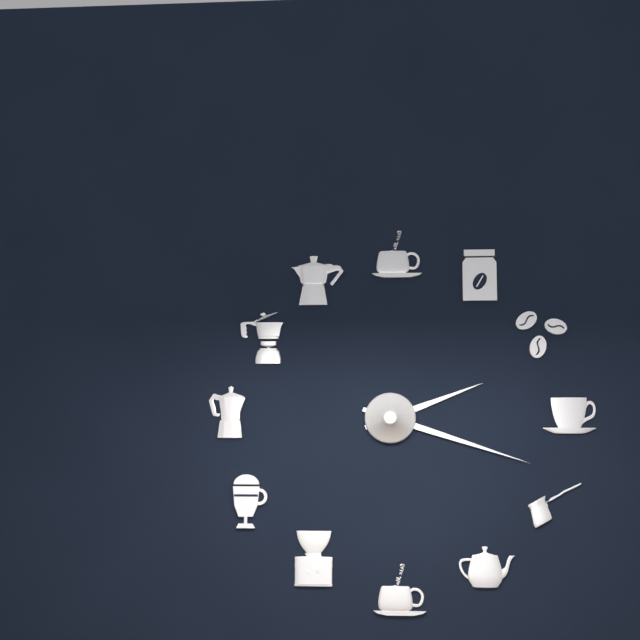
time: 2:18
